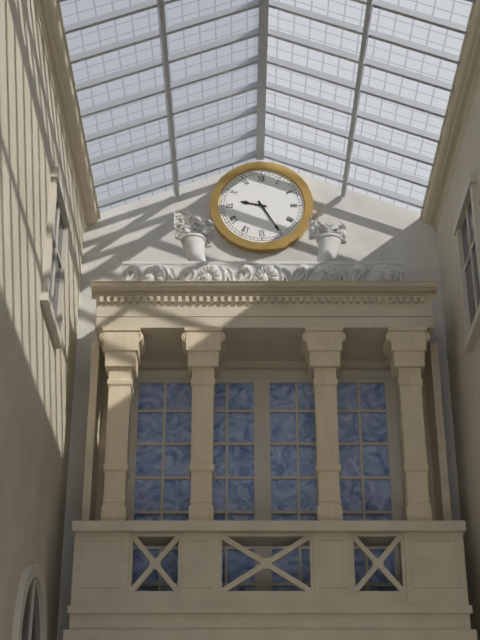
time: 9:25
